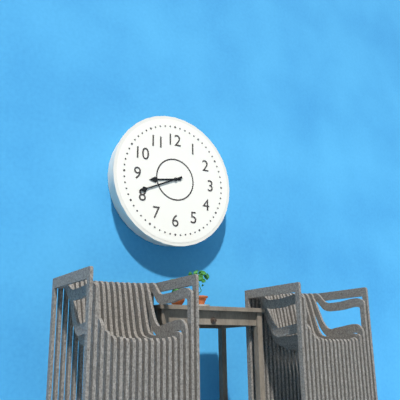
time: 8:41
